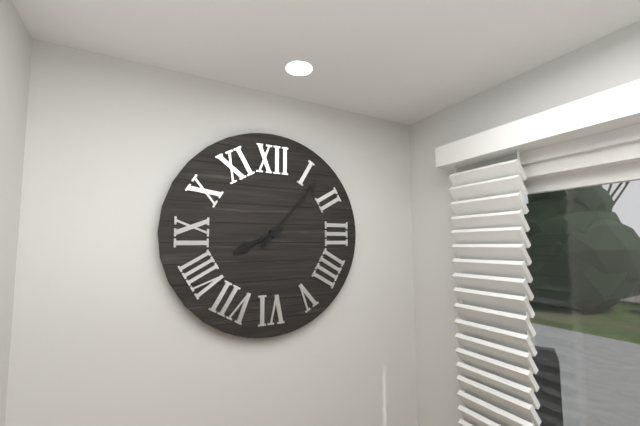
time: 8:07
